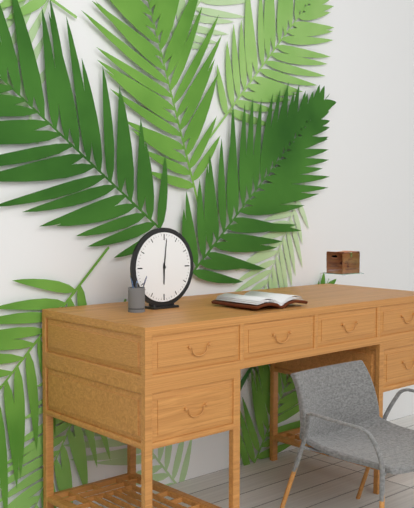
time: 6:01
